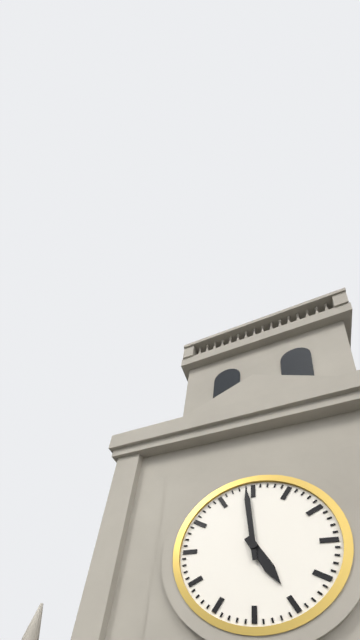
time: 4:59
